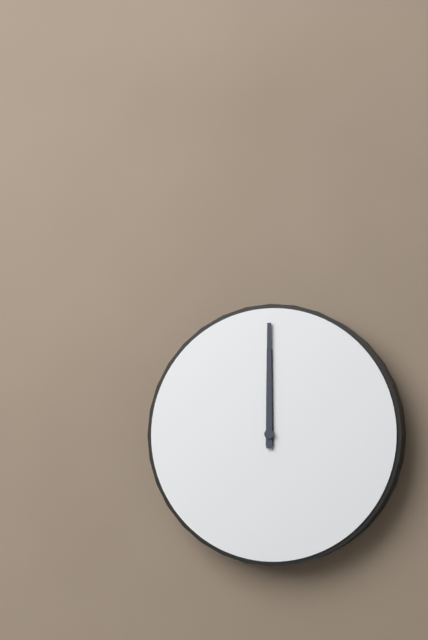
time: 12:00
